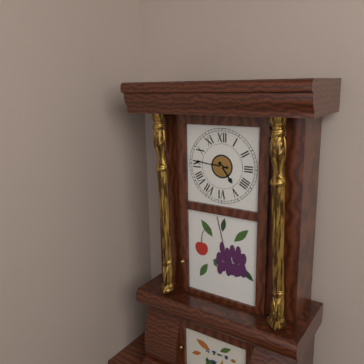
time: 4:46
